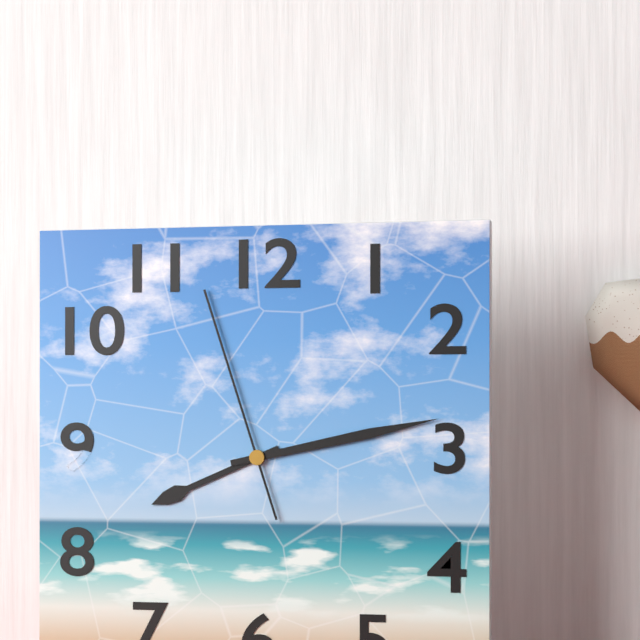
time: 8:13:57
